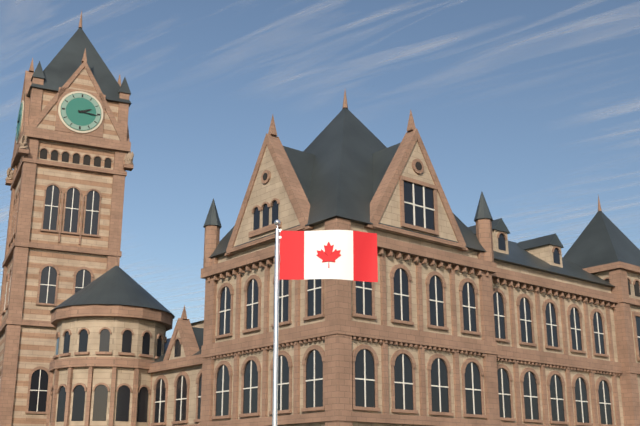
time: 2:16
